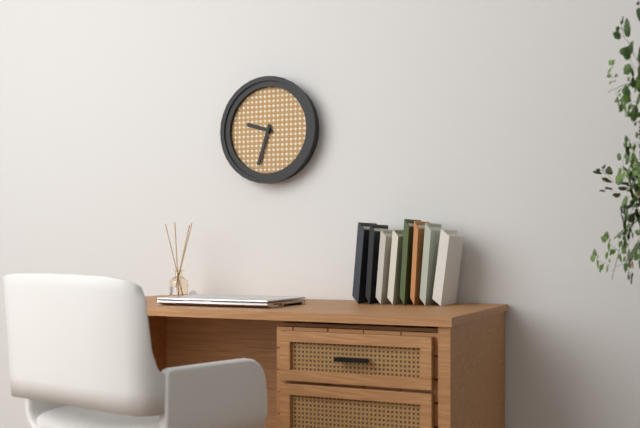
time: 9:33
